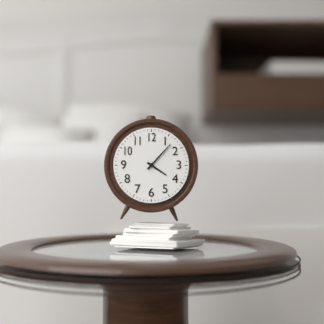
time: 4:07
